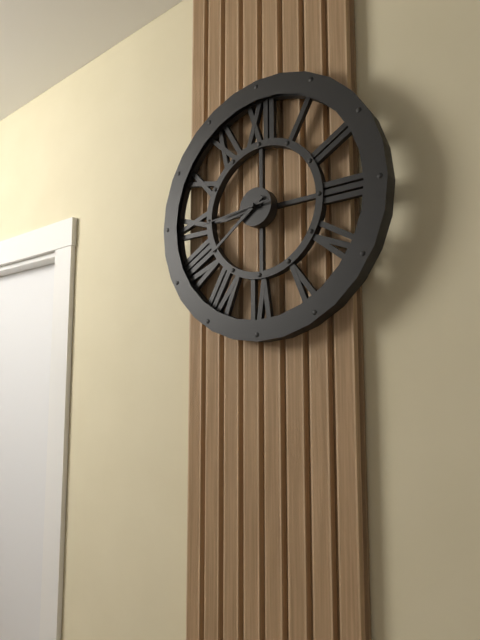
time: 8:39:44
